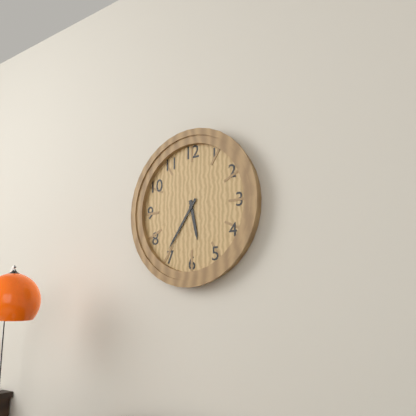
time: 5:36
